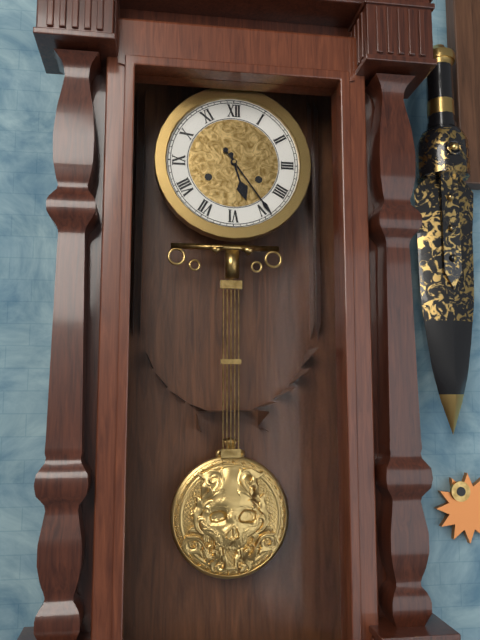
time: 5:24
